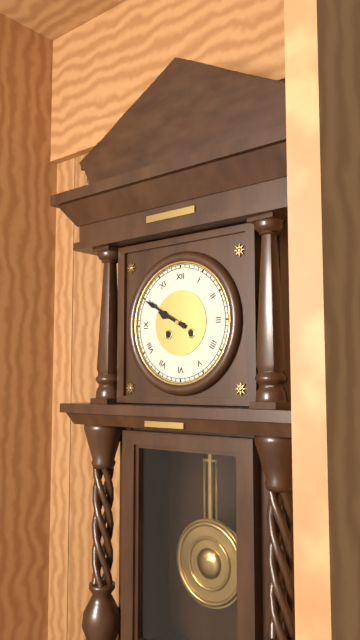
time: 9:50
